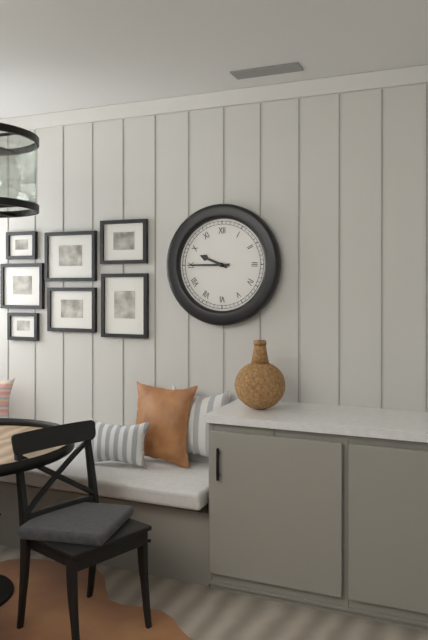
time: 9:45
